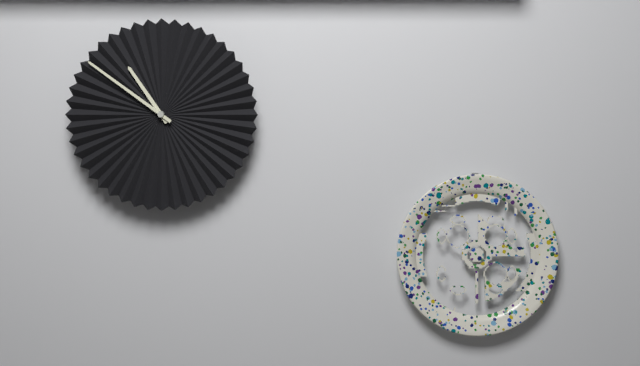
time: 10:51
